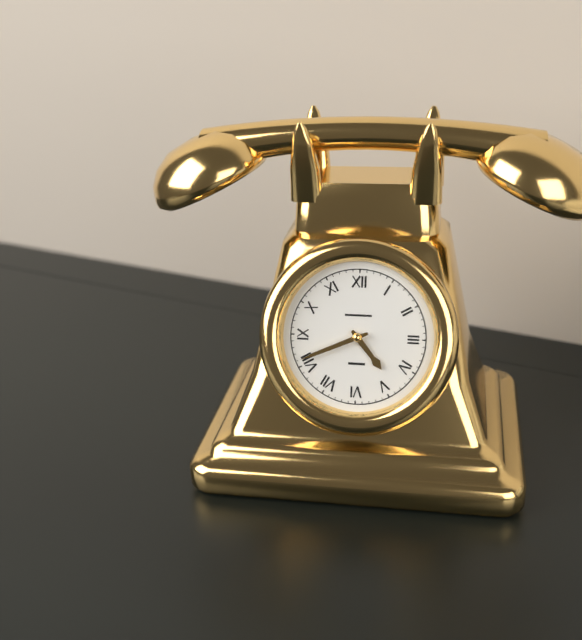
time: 4:41
